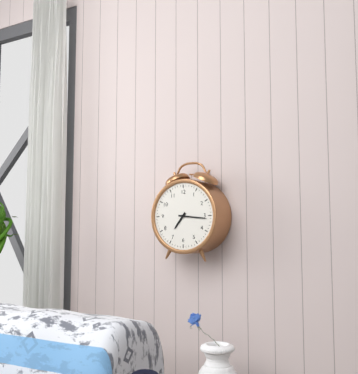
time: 7:16
